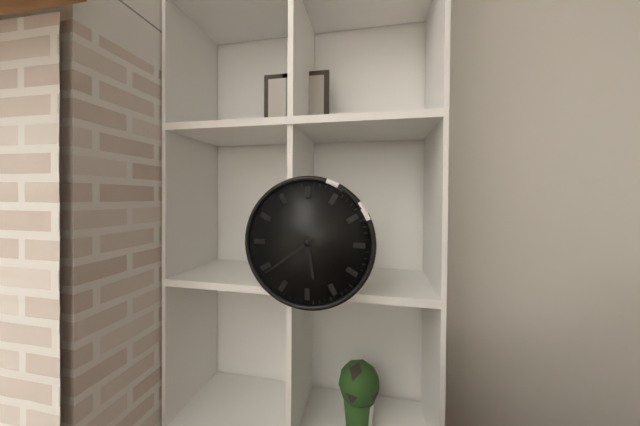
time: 5:39
